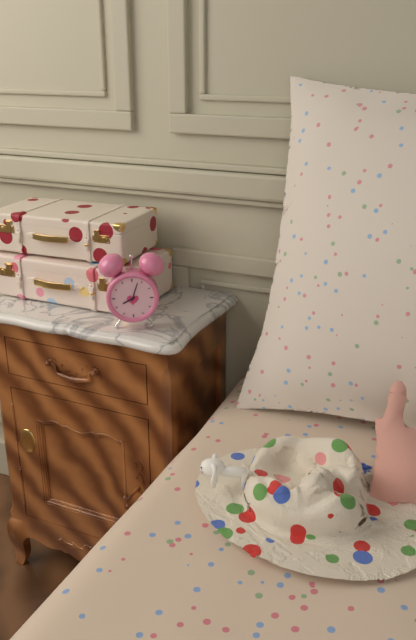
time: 8:03
